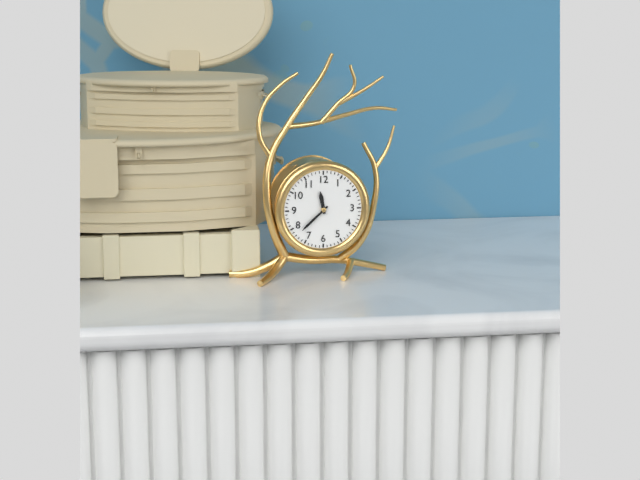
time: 11:38
